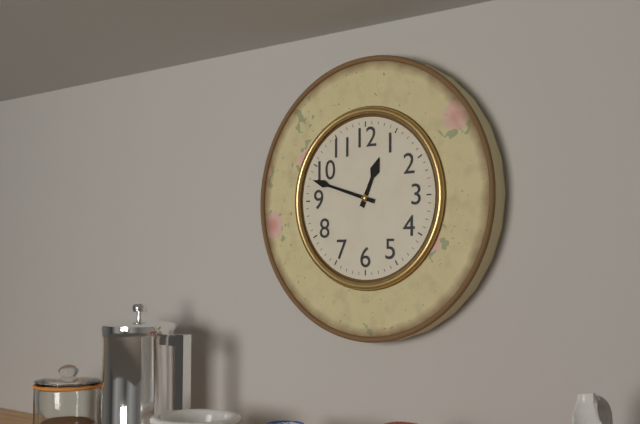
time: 12:48
